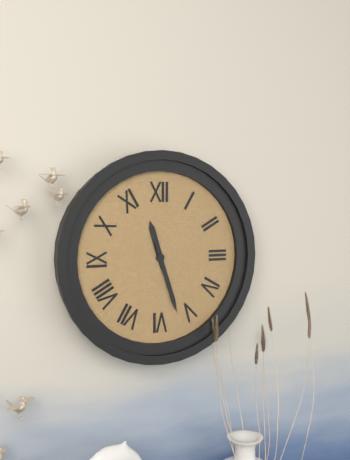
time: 11:27
